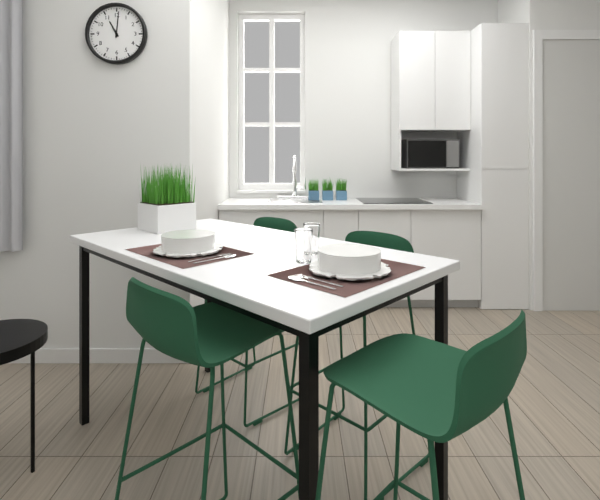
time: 11:01
